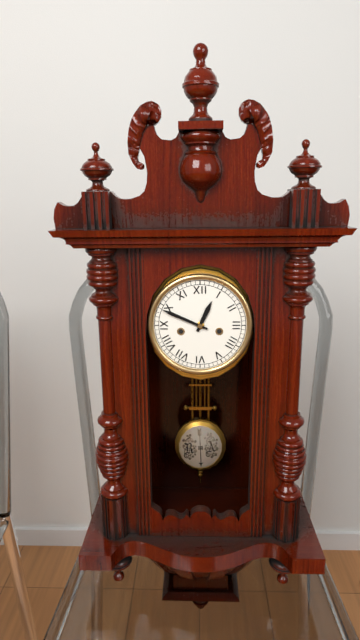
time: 12:49
